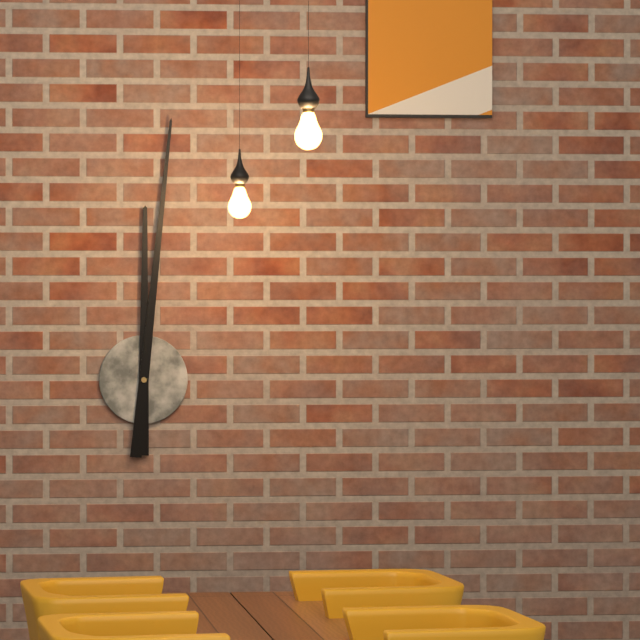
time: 12:01
